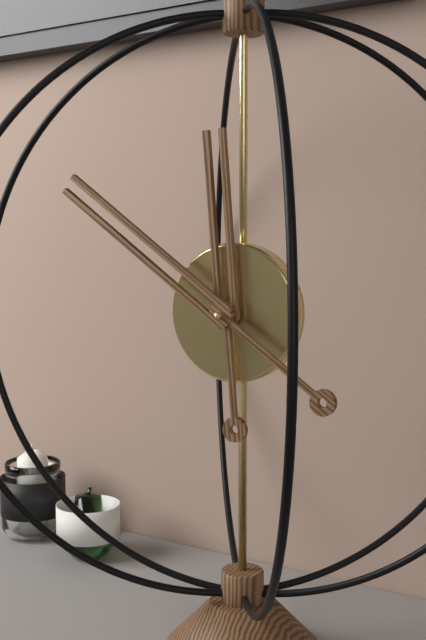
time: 11:51
